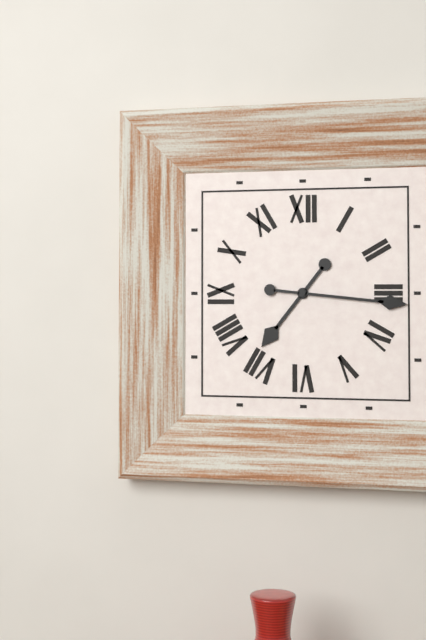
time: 7:16
